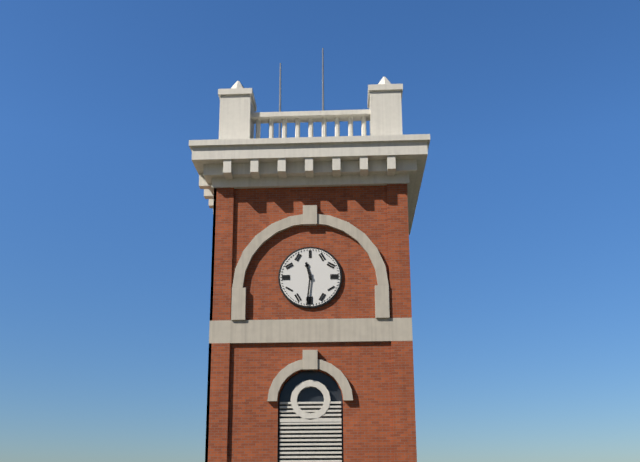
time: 11:31
